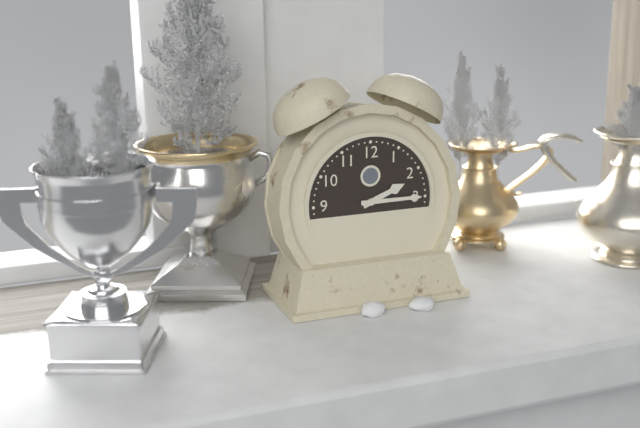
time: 2:15
